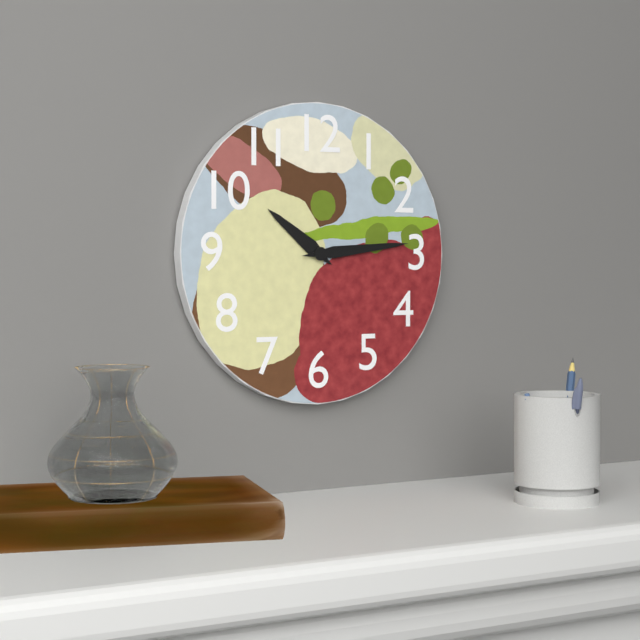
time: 10:14
